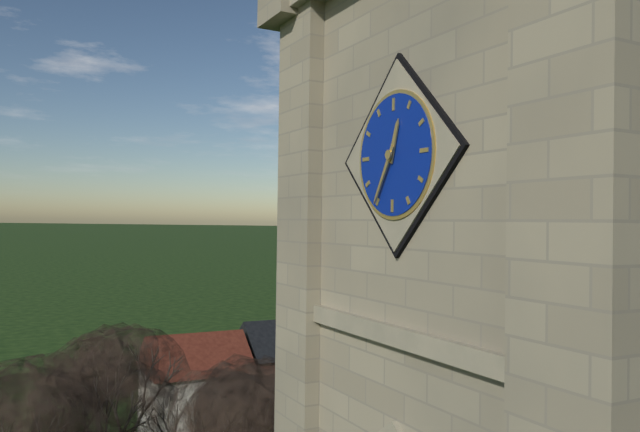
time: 12:35
